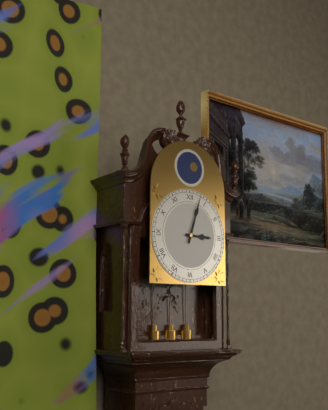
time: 3:03
